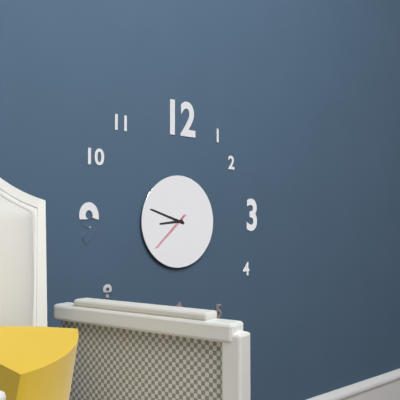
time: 8:48
